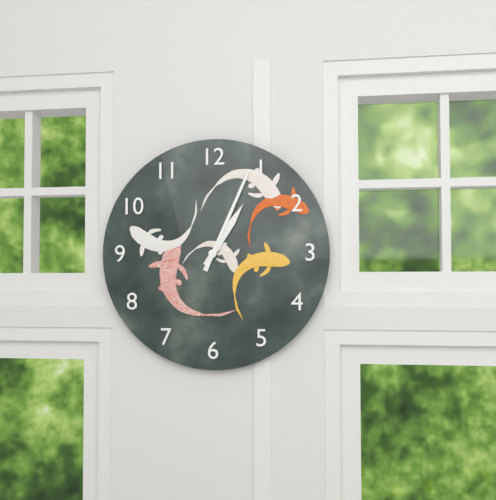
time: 1:04
